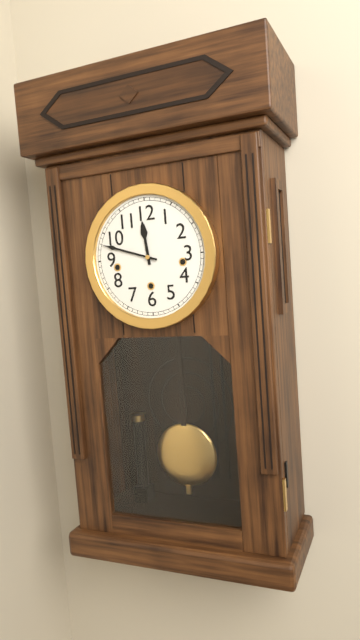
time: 11:48
